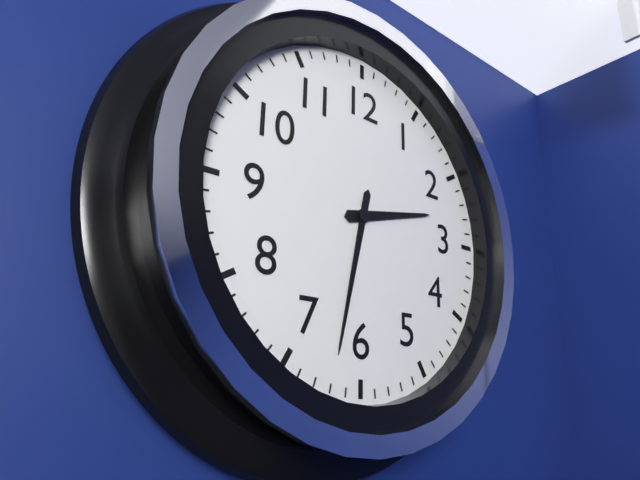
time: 2:32
